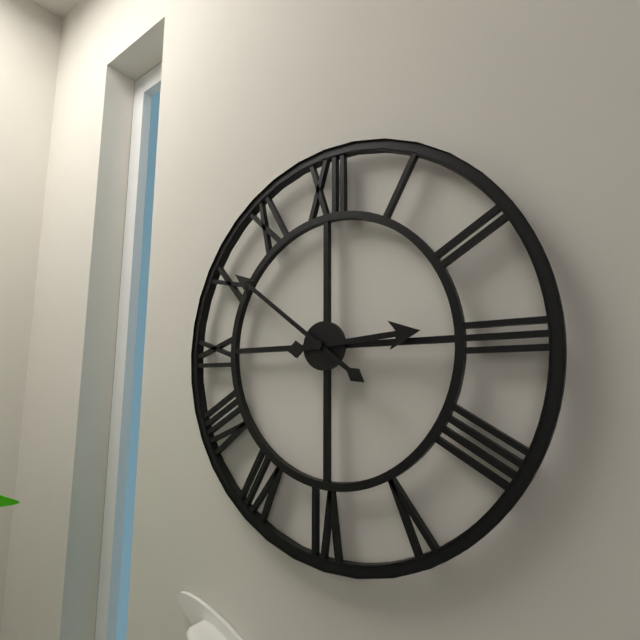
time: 2:51
